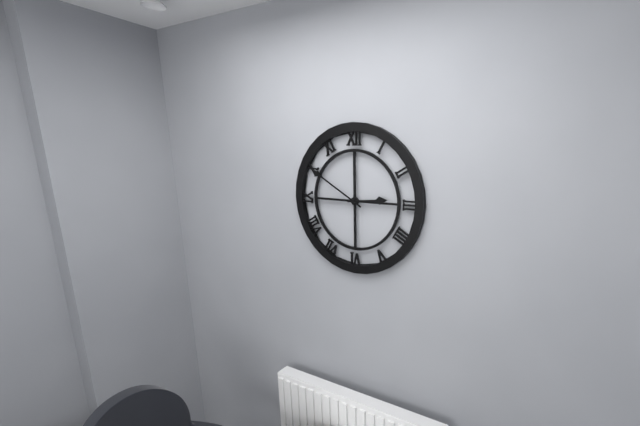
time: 2:50
